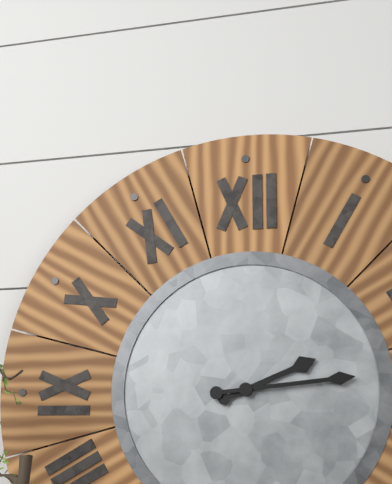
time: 2:14
